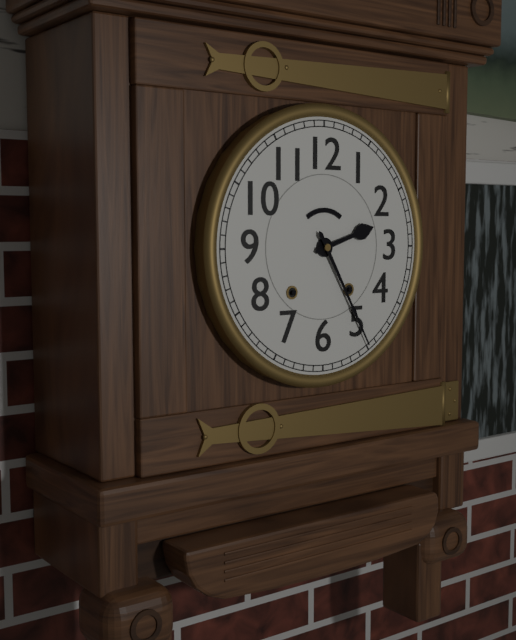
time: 2:25
